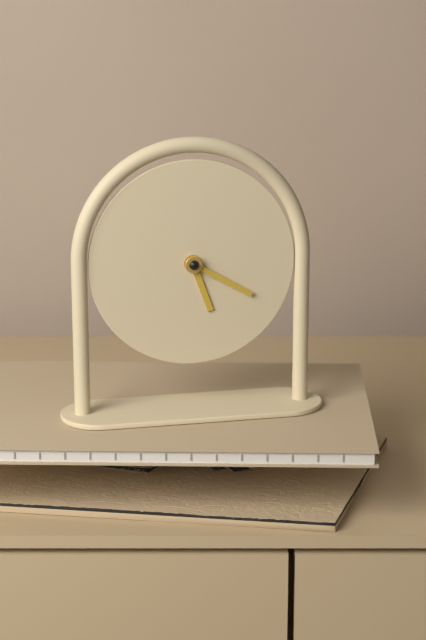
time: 5:20
